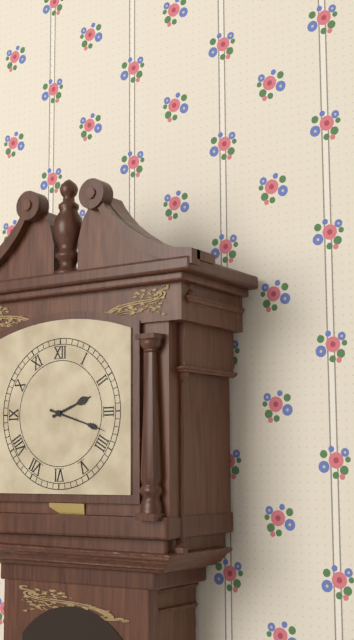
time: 2:18
